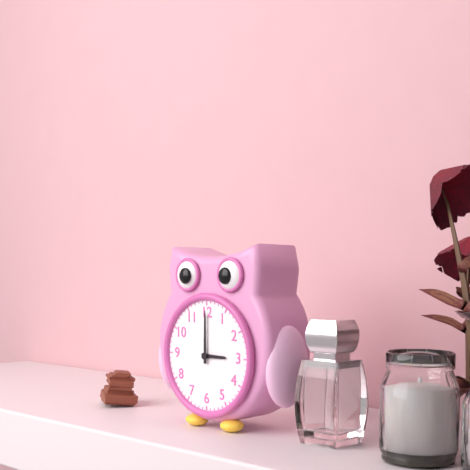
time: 3:00
